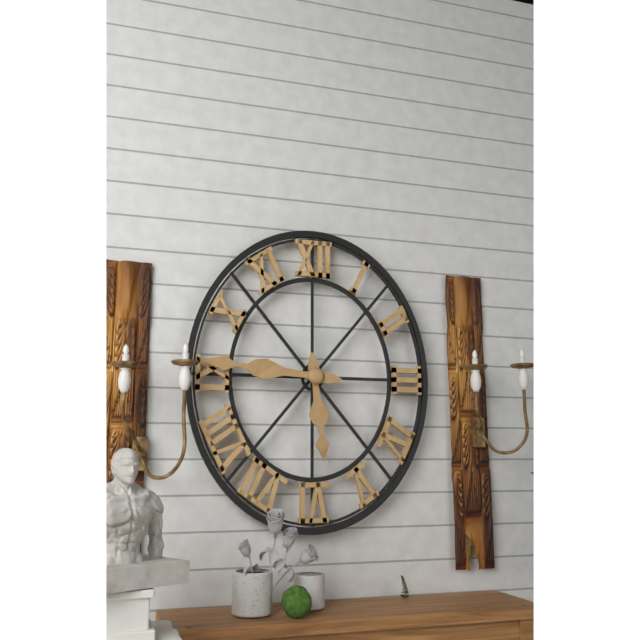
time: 5:46
